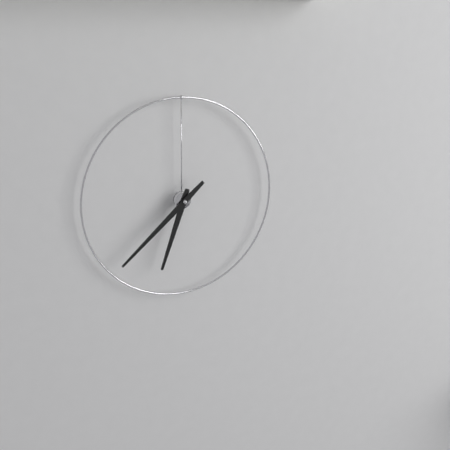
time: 6:38
